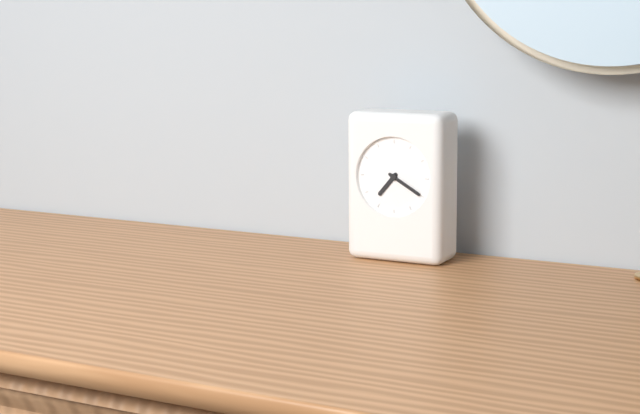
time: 7:20
